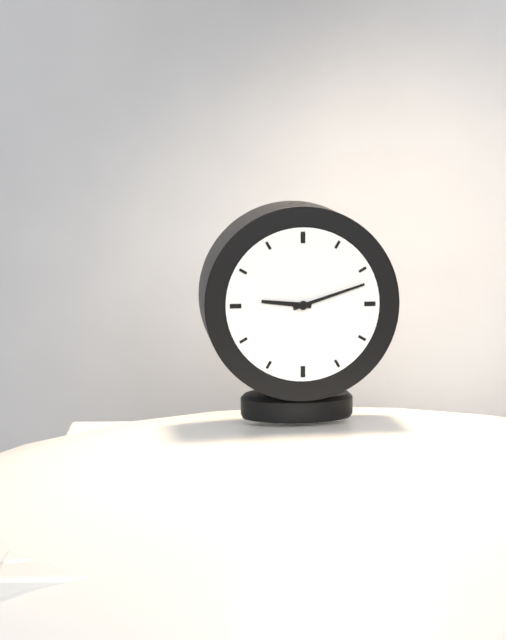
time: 9:12
